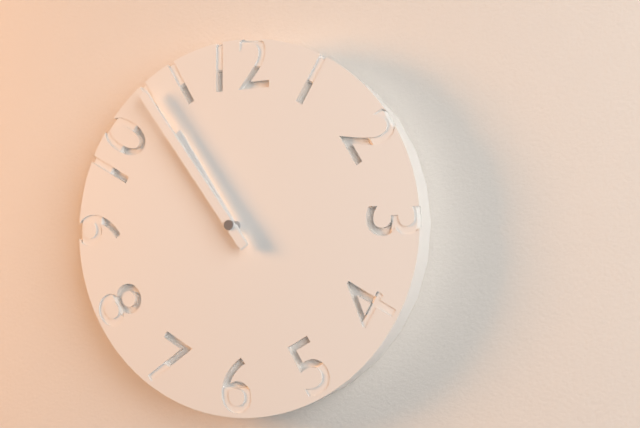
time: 10:54
